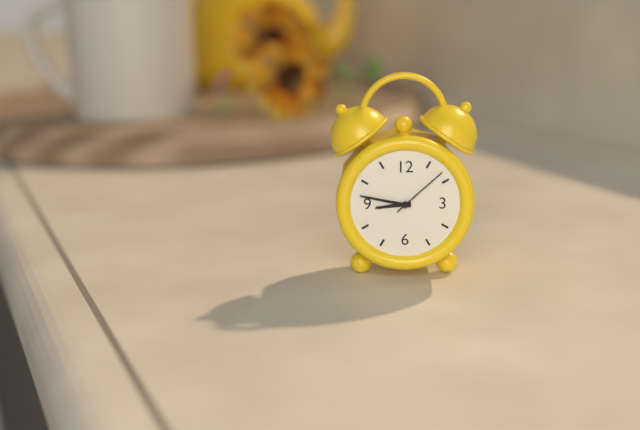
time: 8:47:08
